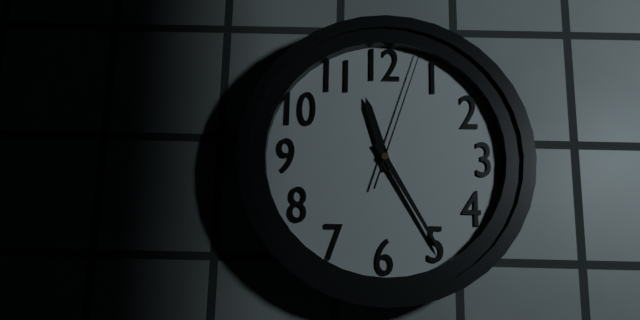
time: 11:25:03
